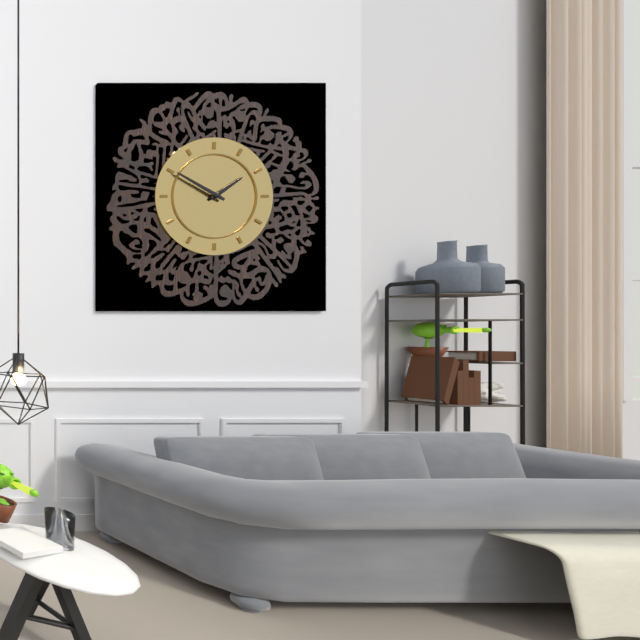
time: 1:50
